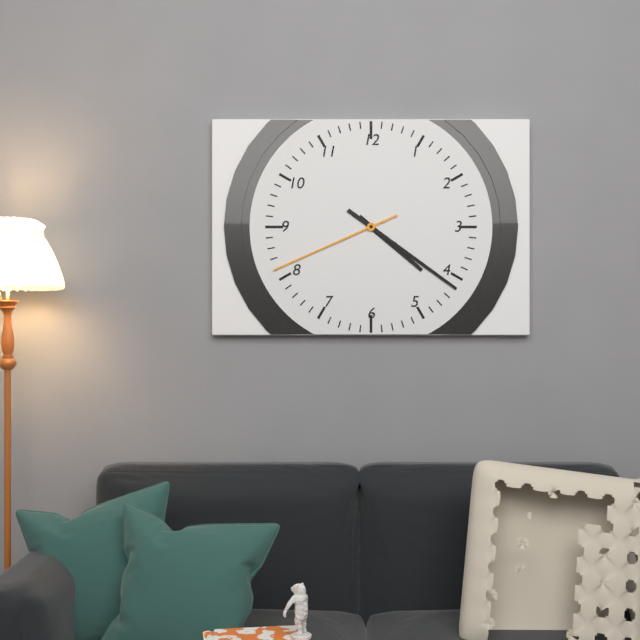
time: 4:21:41
